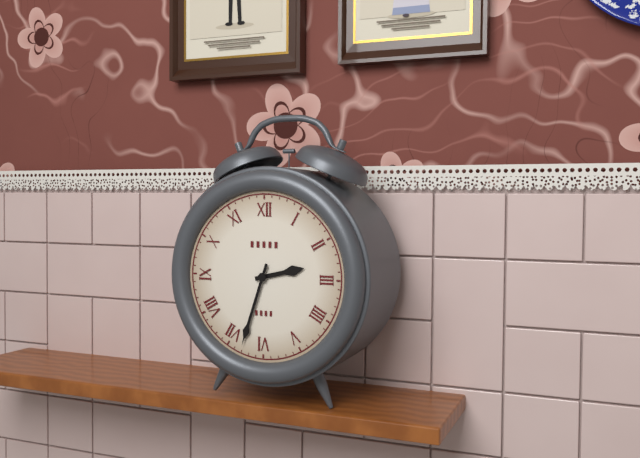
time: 2:33
